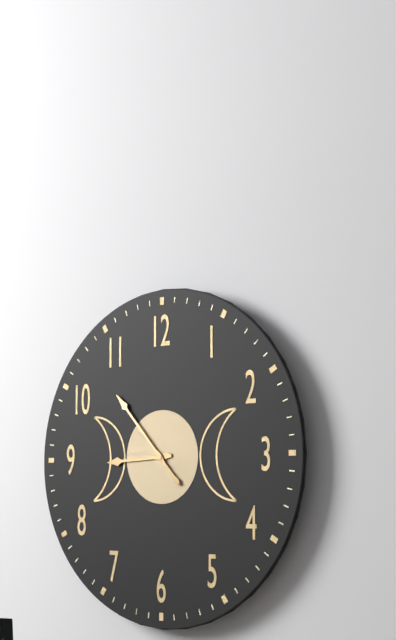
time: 8:53
